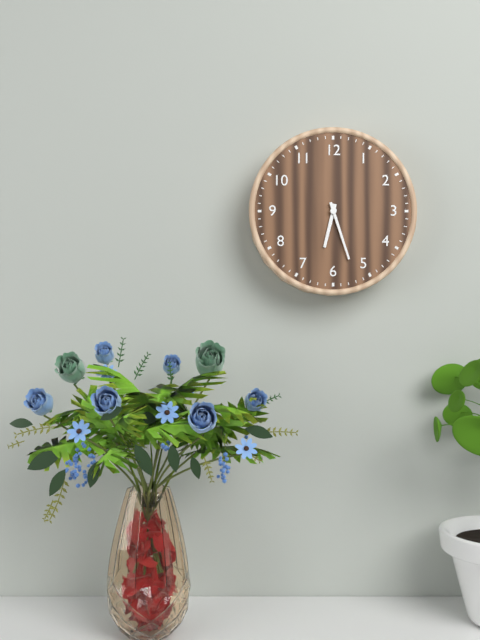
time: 6:27
